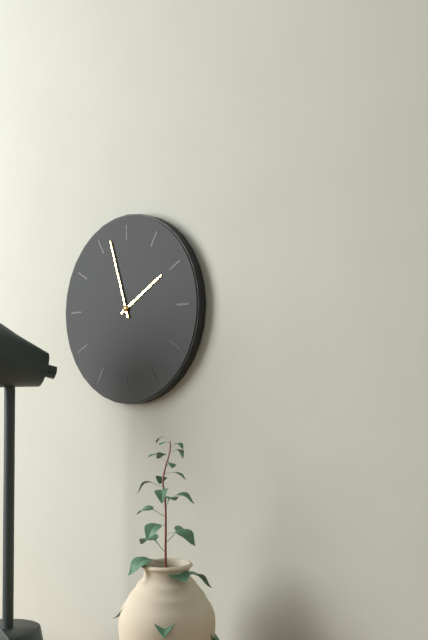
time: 1:57
